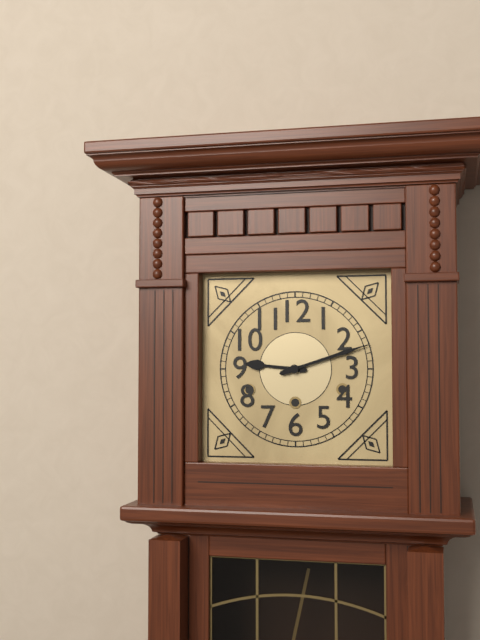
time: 9:12
